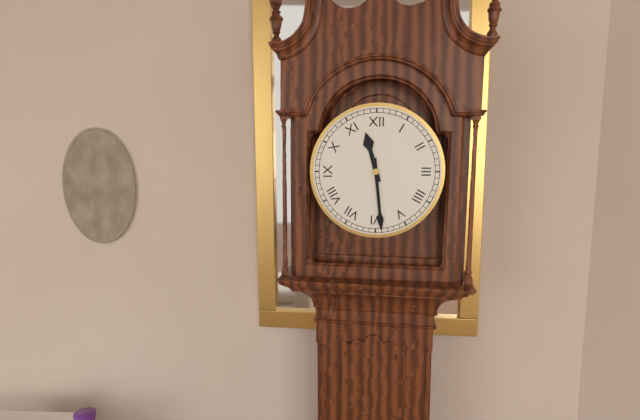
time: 11:29
